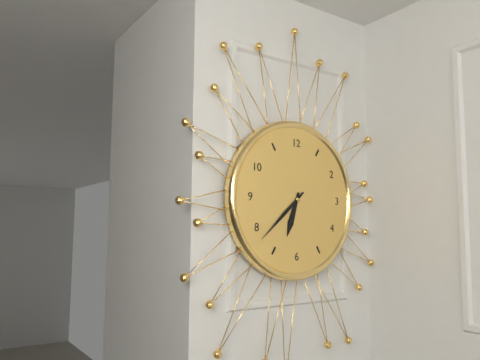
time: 6:38
